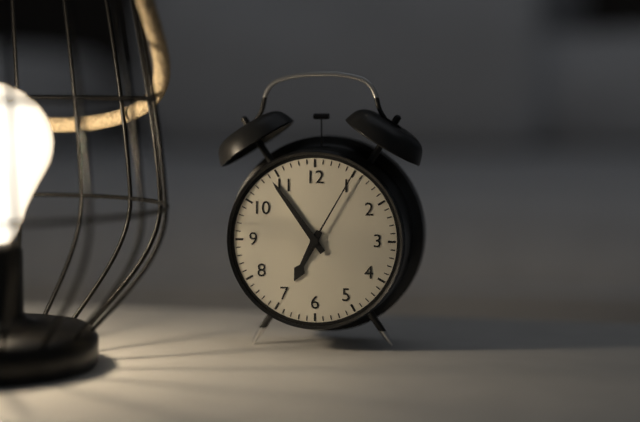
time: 6:54:05
